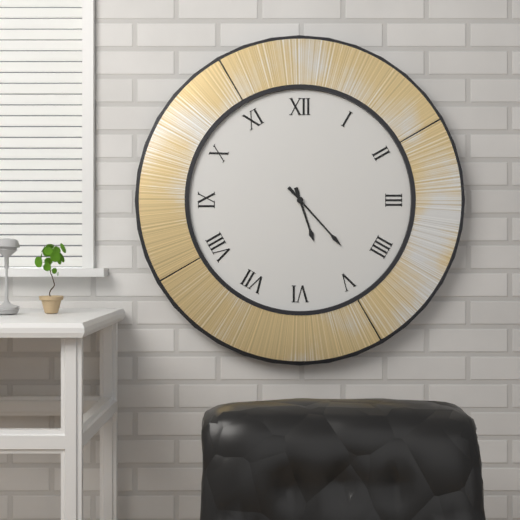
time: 5:23
